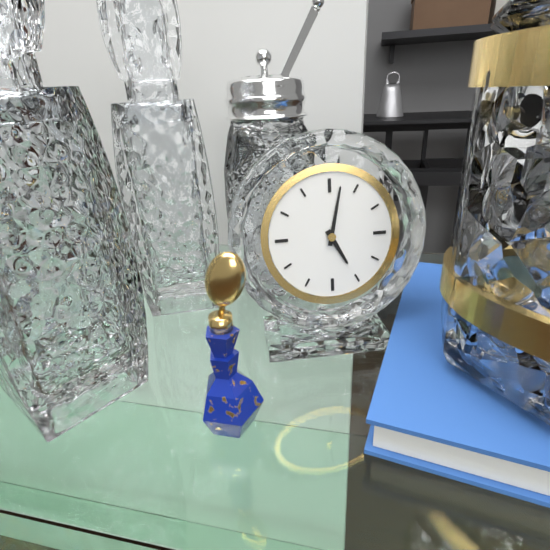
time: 5:02
